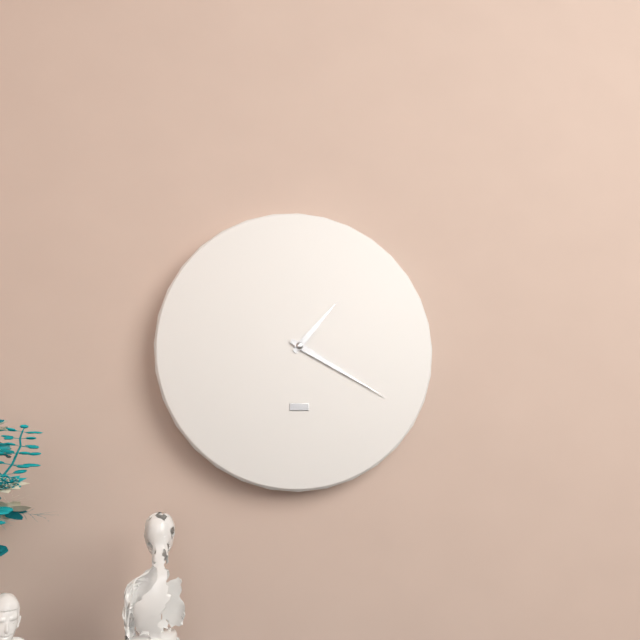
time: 1:20
